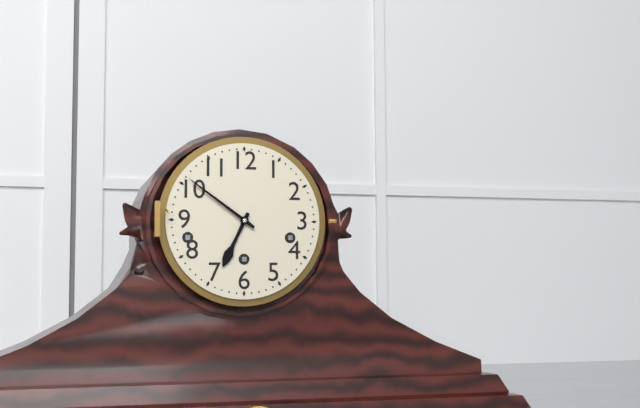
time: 6:51
